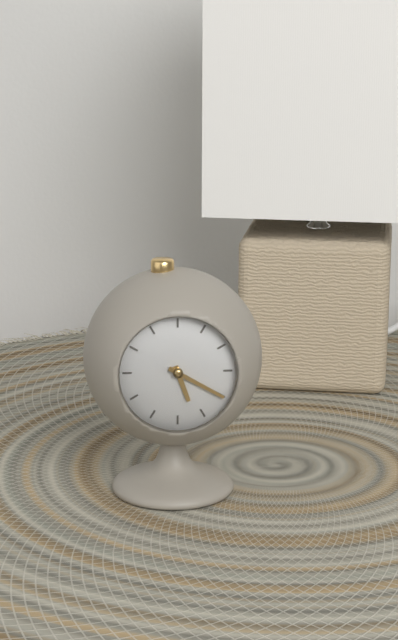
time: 5:20
